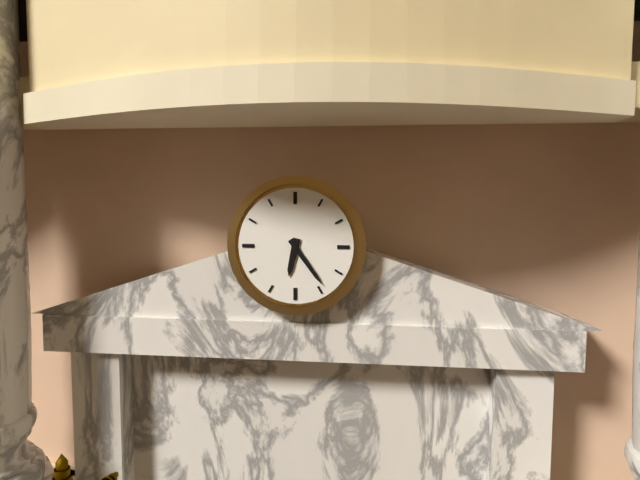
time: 6:24
